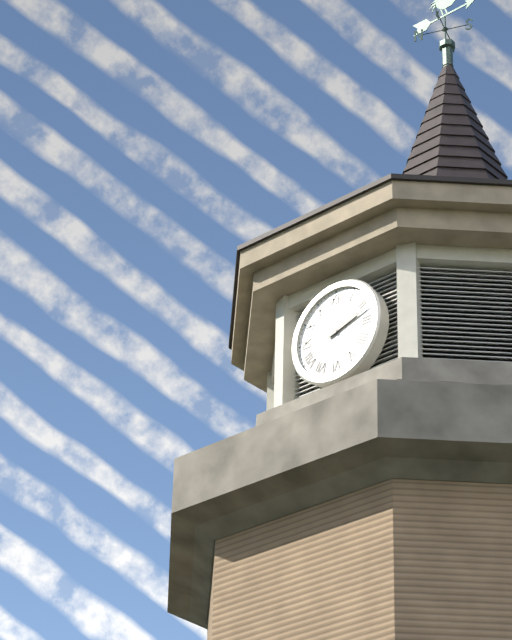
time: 2:12
